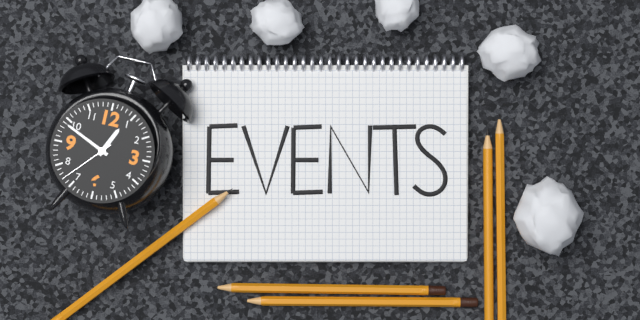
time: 12:49:37
